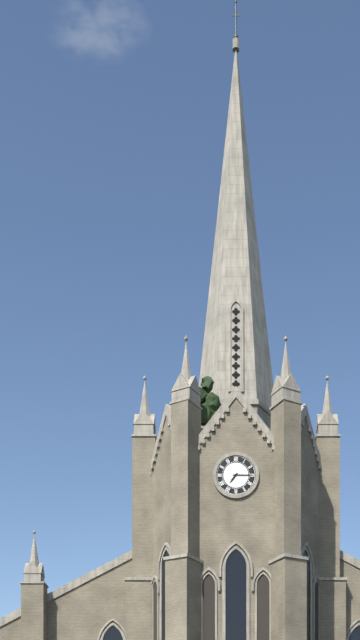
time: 7:15
